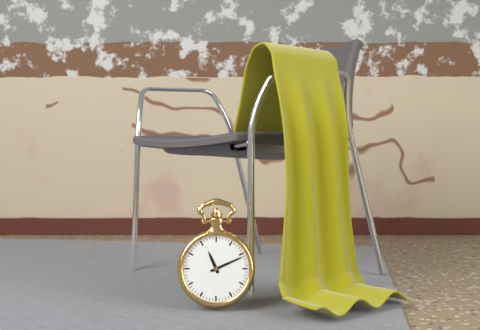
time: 11:11
